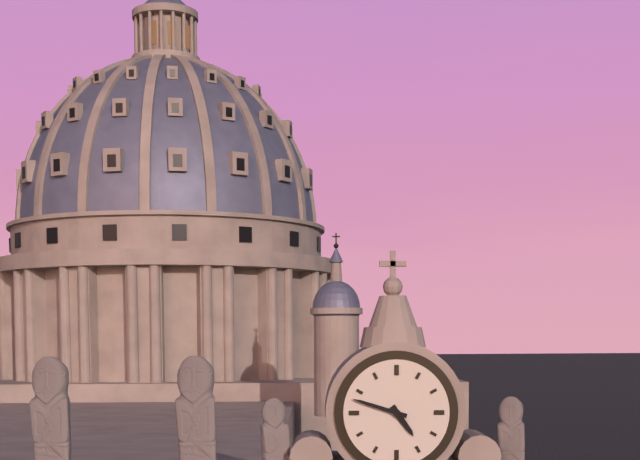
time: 4:48
